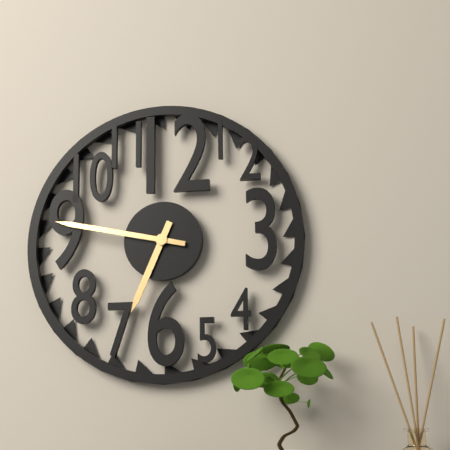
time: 6:47
